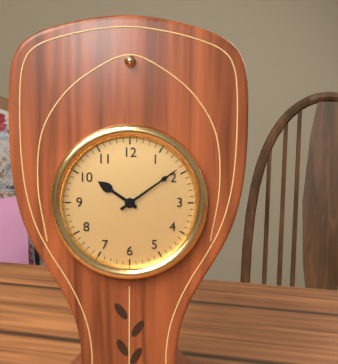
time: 10:09
